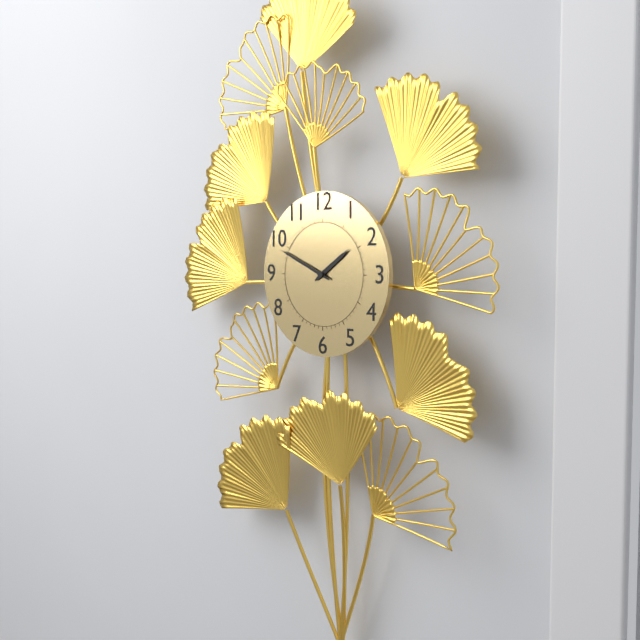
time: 1:49
